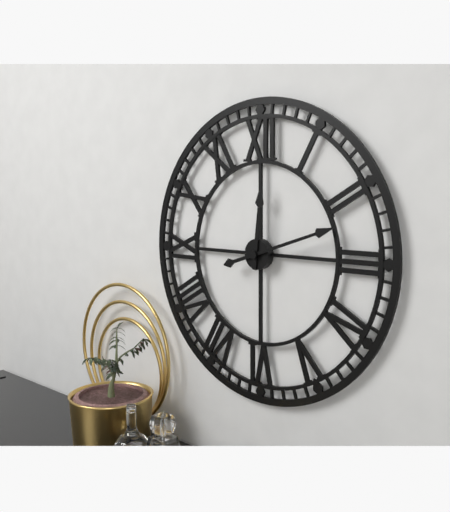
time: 12:12
